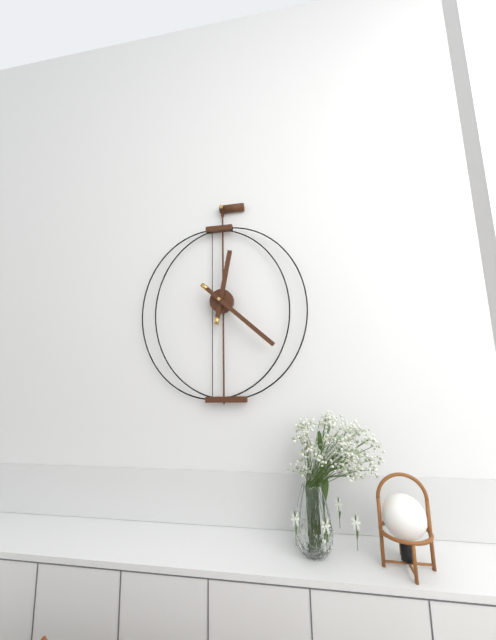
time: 12:22
